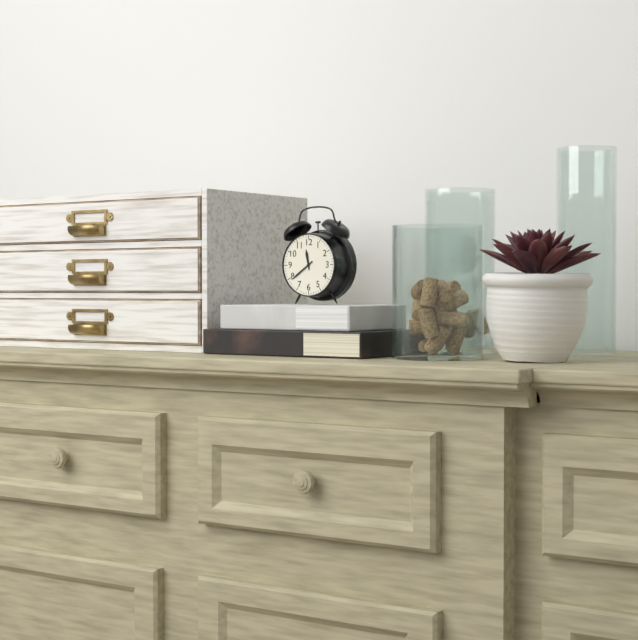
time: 11:39
